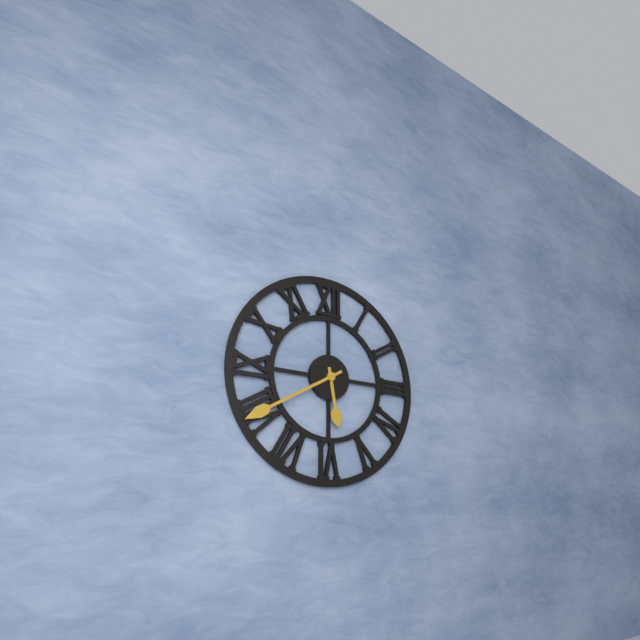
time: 5:40
